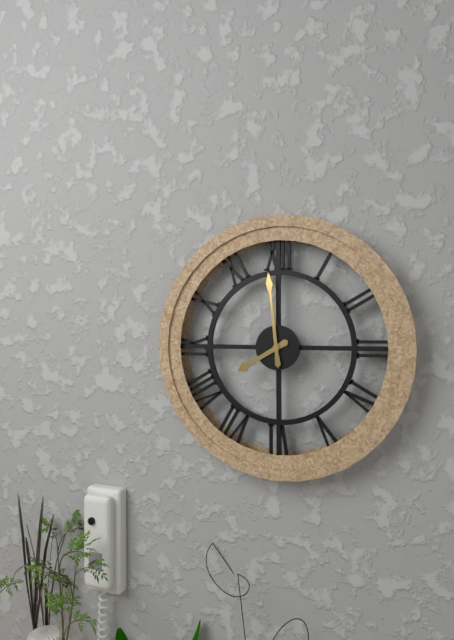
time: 7:59
